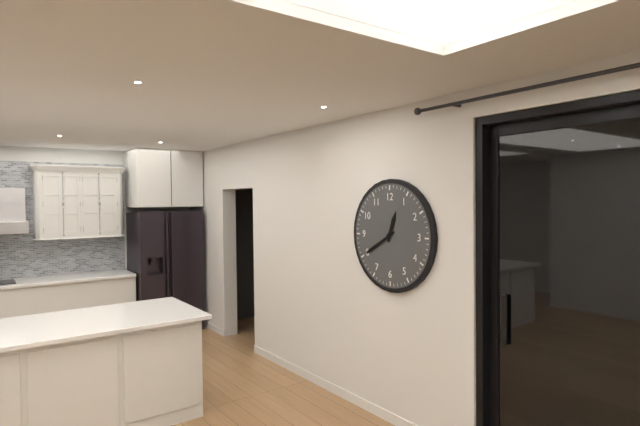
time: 12:40
